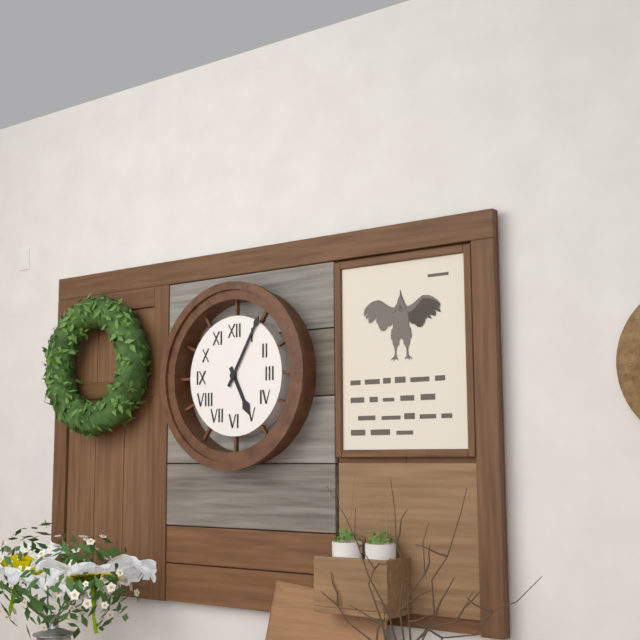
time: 5:05
